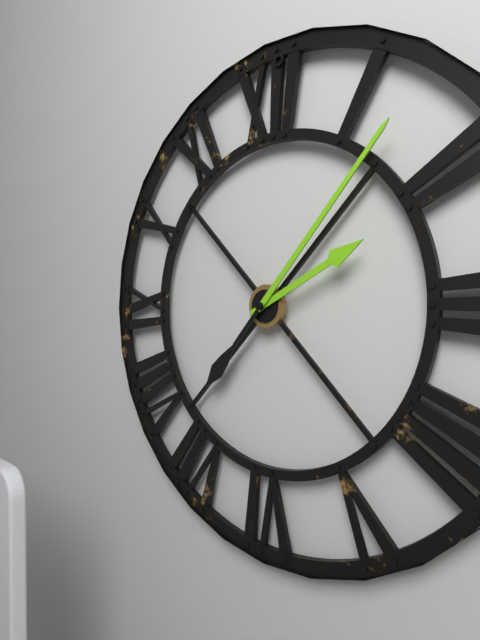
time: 2:07
